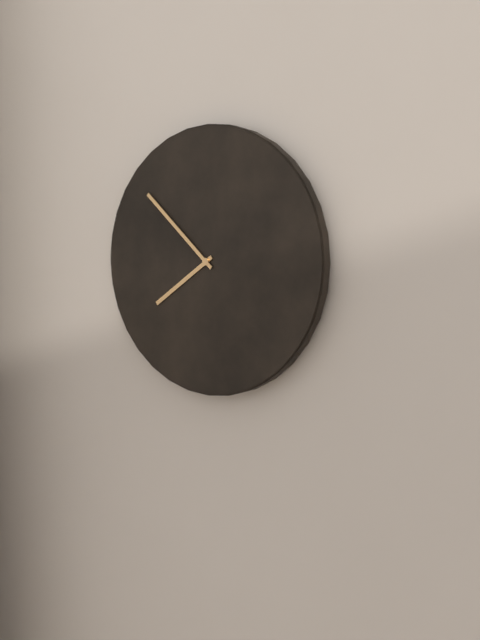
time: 7:52
